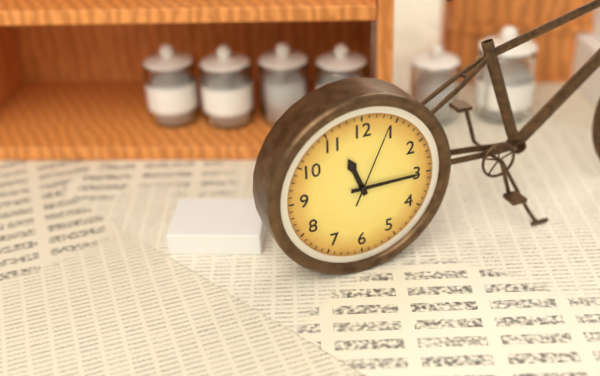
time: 11:15:04
